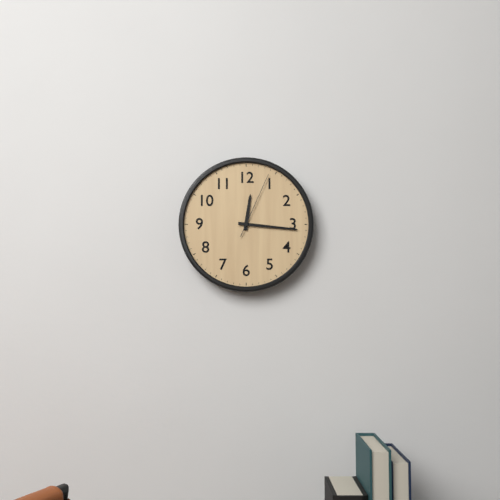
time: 12:16:04
